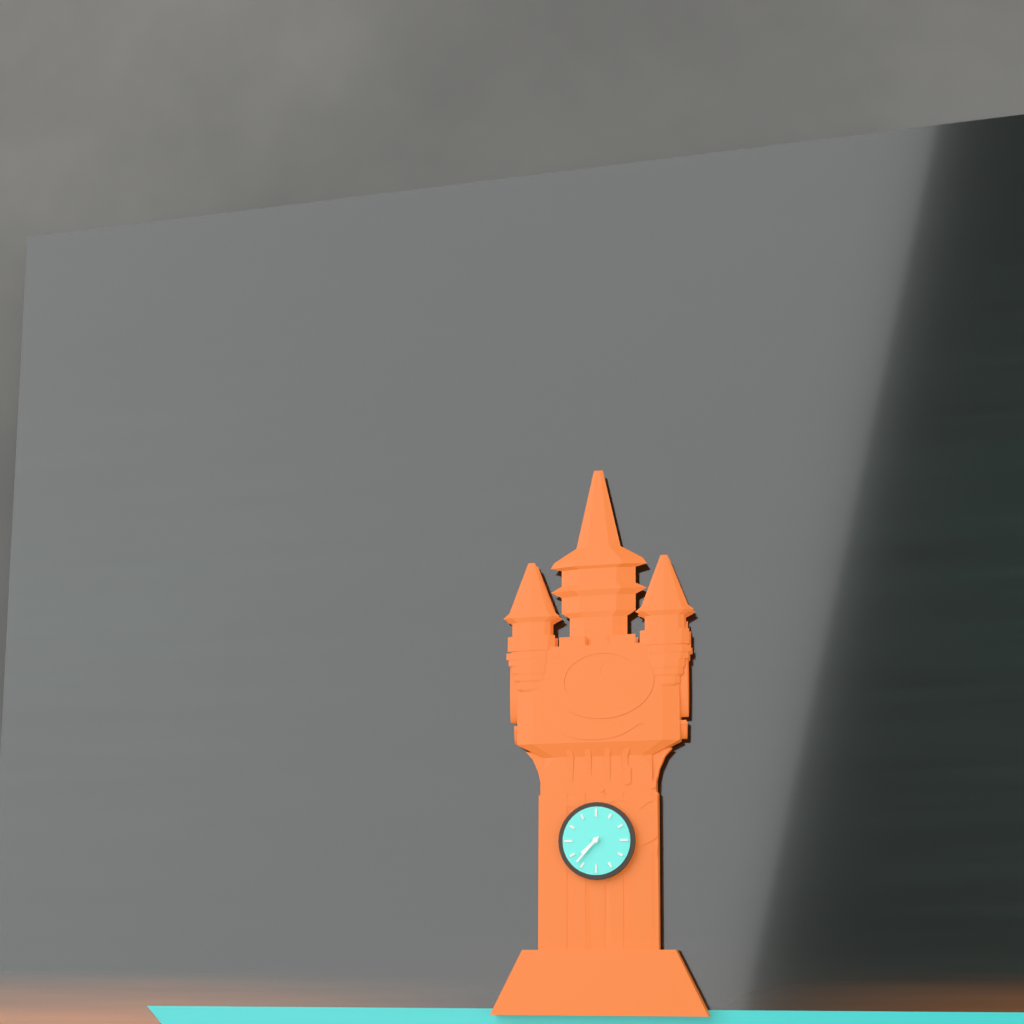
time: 7:37
